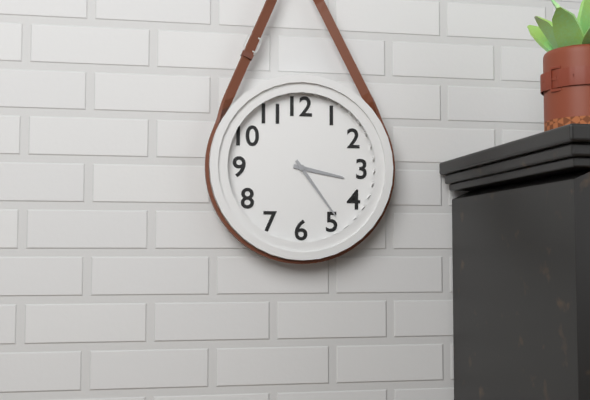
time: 3:24
